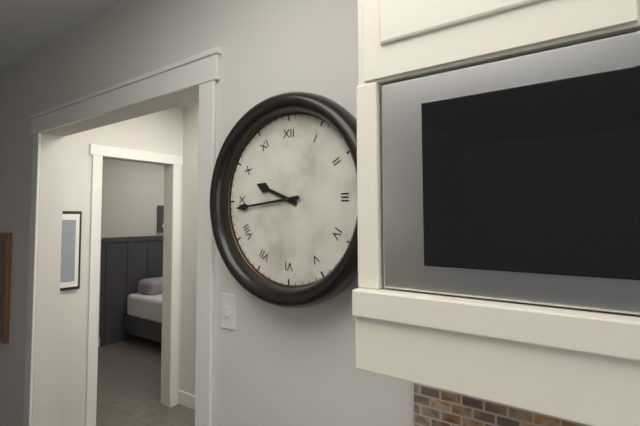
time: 9:44
